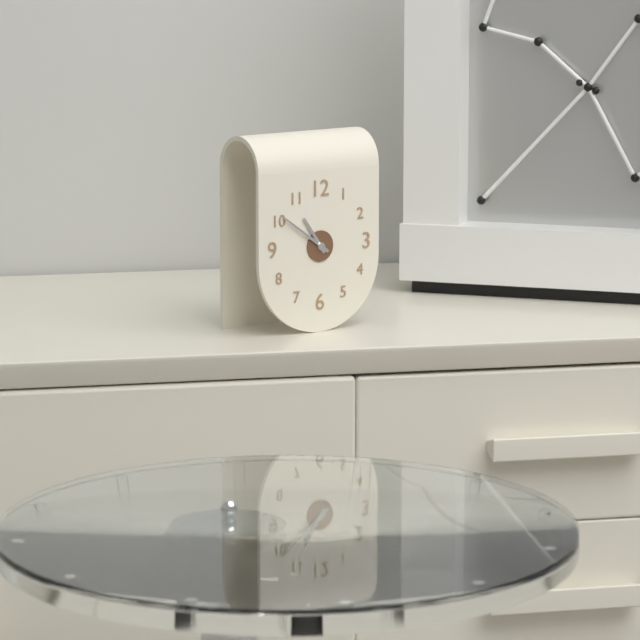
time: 10:51
